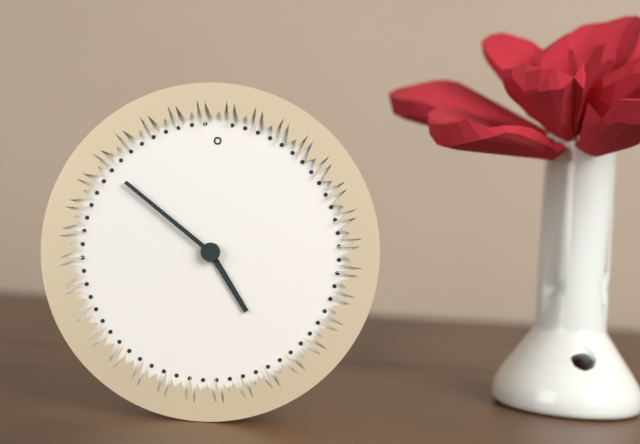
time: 4:51
